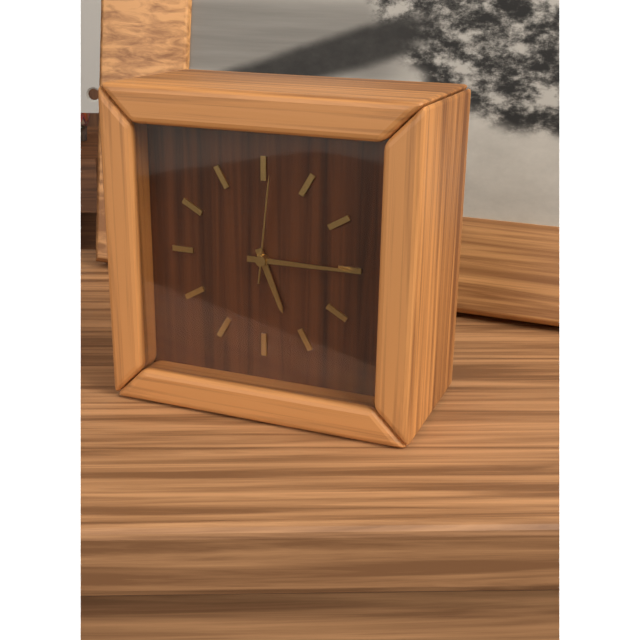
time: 5:15:01
